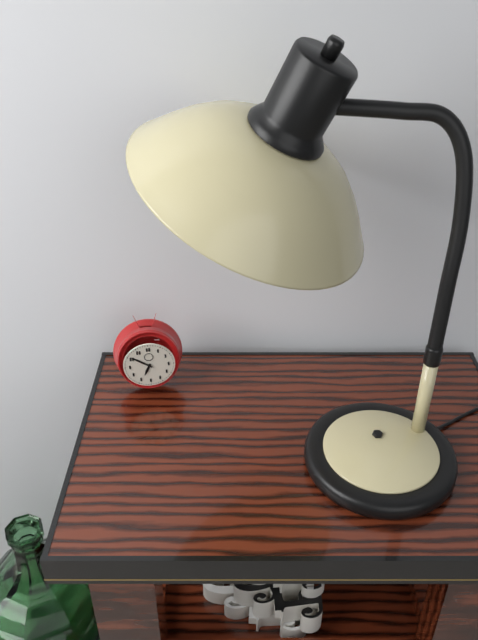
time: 6:51
